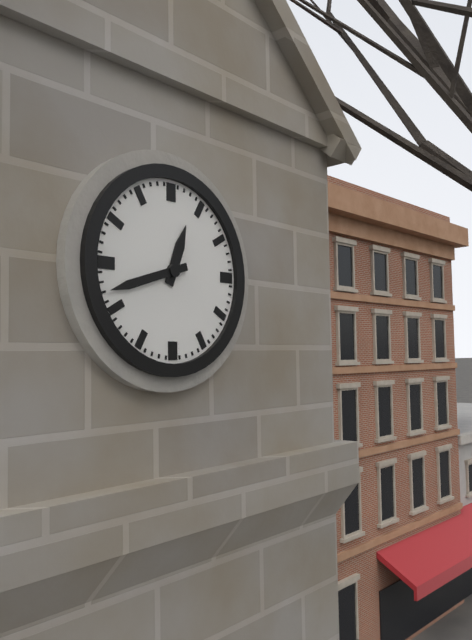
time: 12:42
